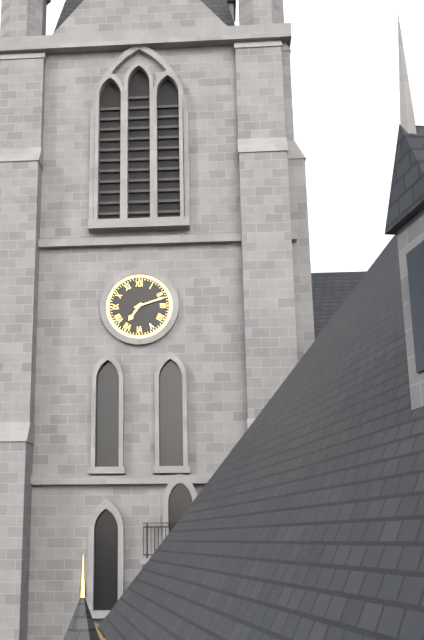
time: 7:12
